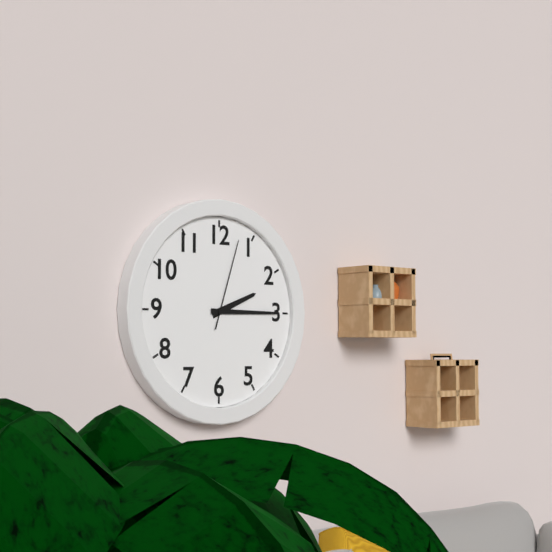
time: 2:15:03
